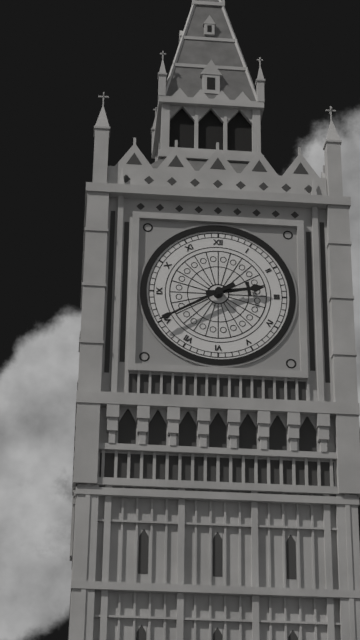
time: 2:40
